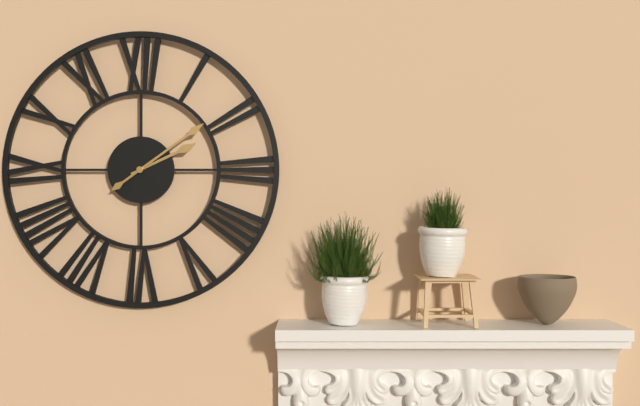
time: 2:09
